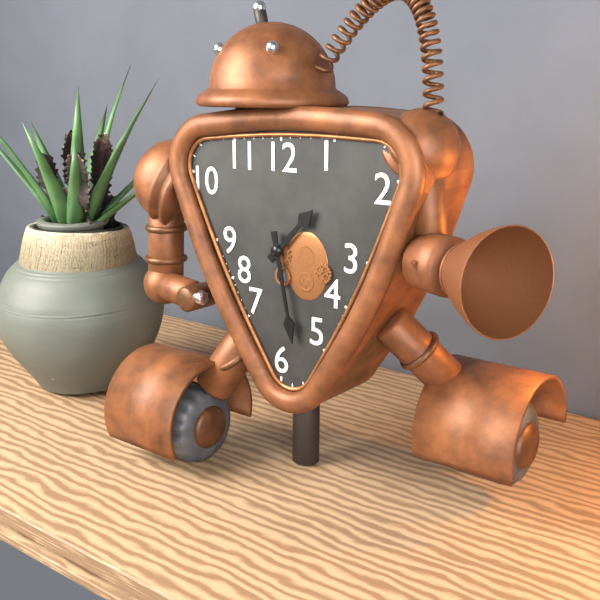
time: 1:28
